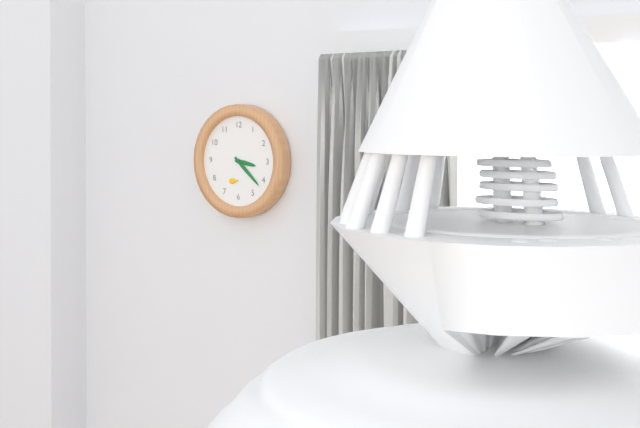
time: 3:22
